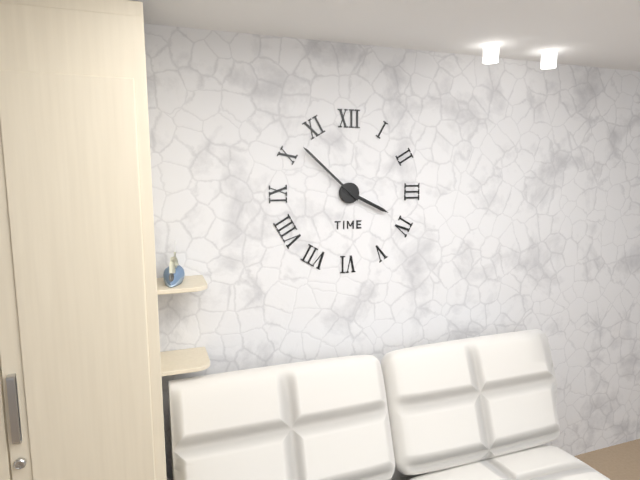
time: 3:52
